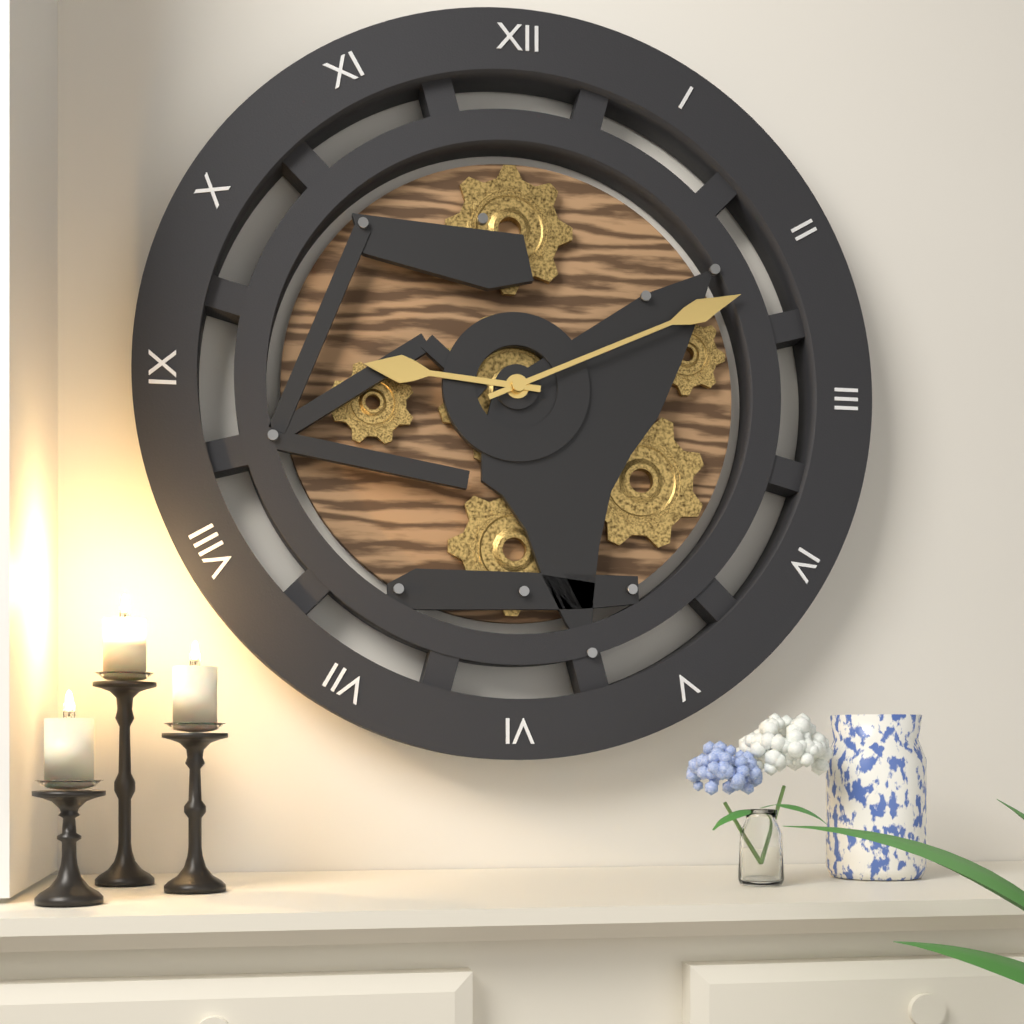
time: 9:11
